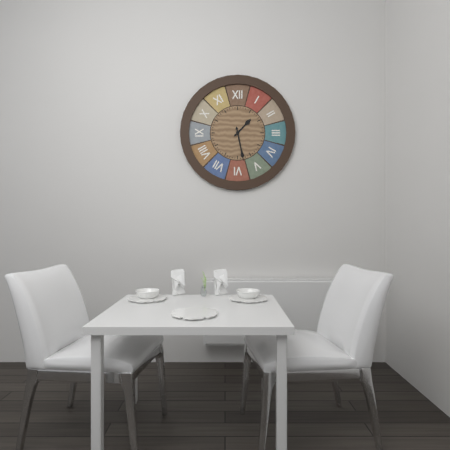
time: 1:28
